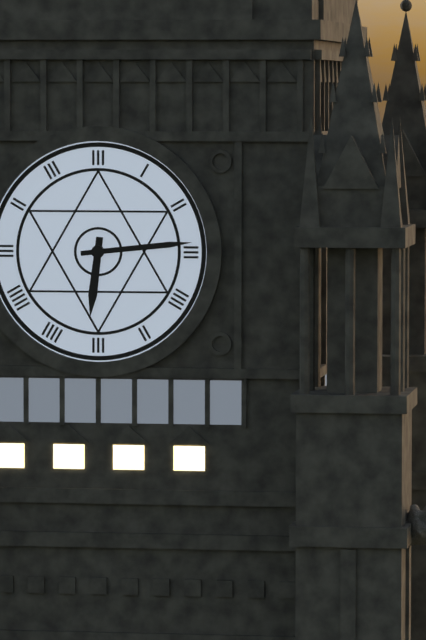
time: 6:14
